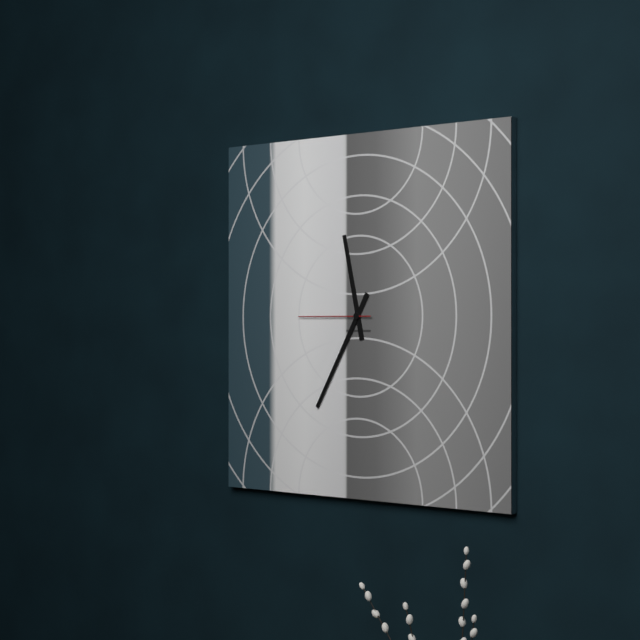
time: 11:35:45
